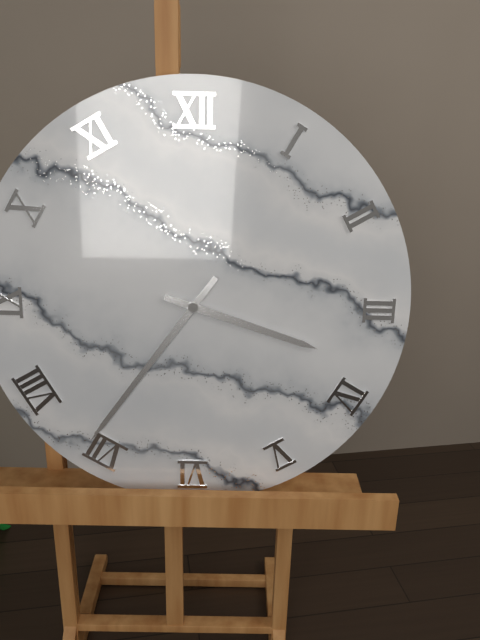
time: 3:36
